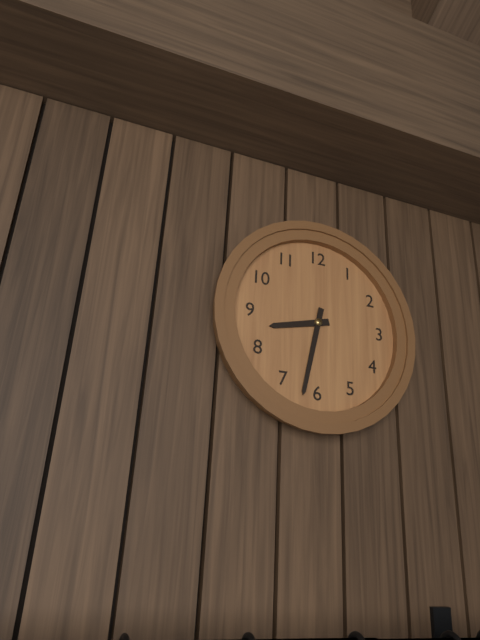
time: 8:32
